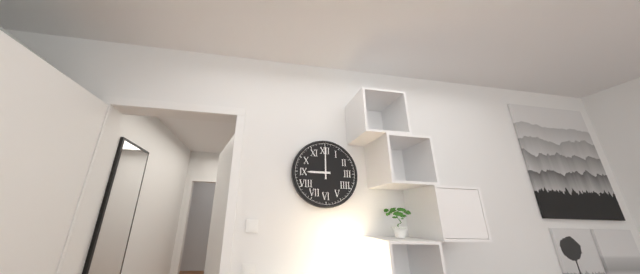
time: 9:00
